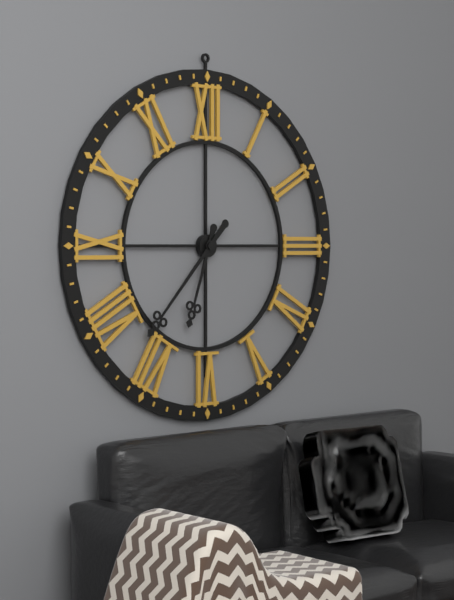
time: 6:37
